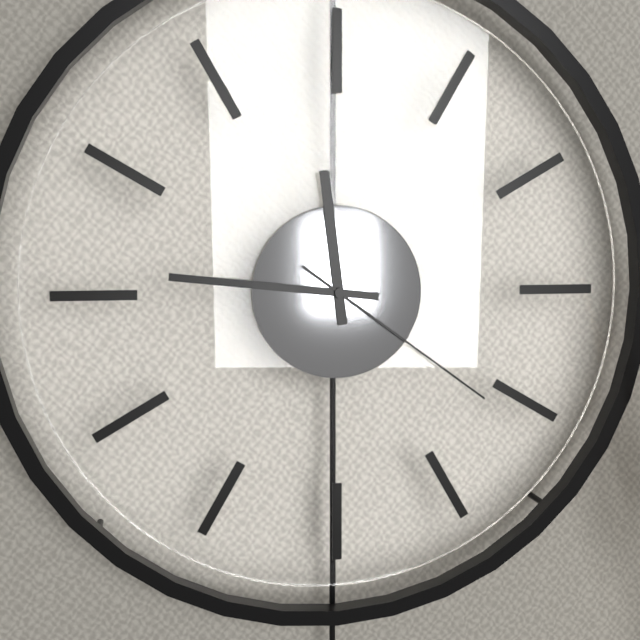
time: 11:46:21
